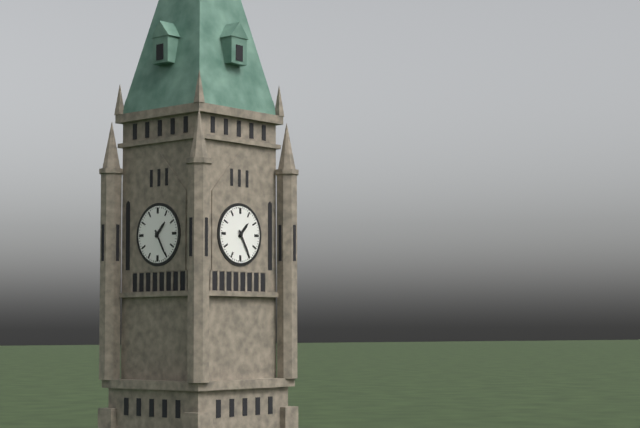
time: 1:25
